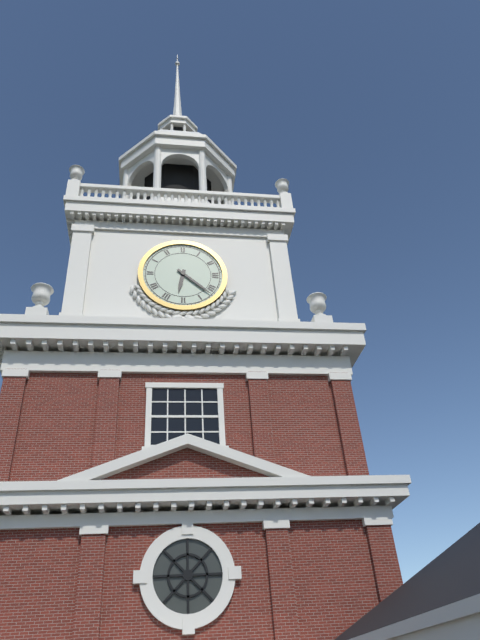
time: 6:22
